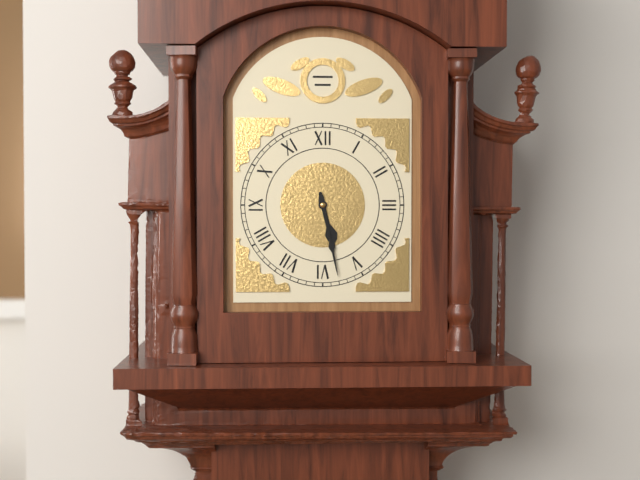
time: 5:28
